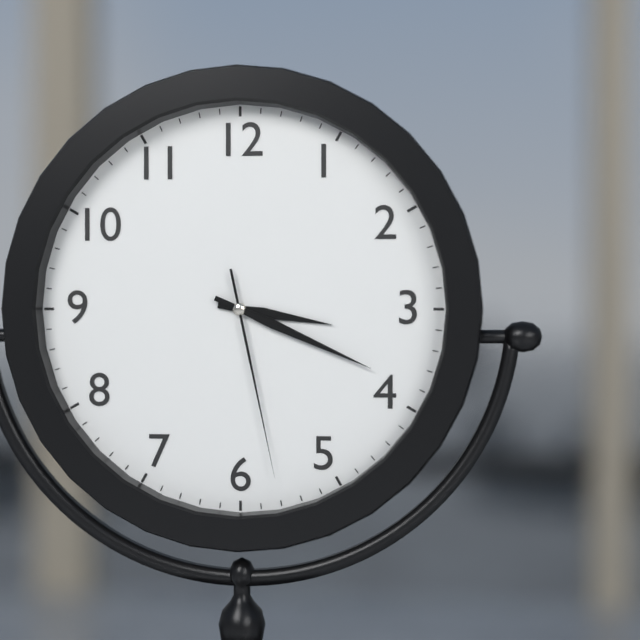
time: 3:19:28
